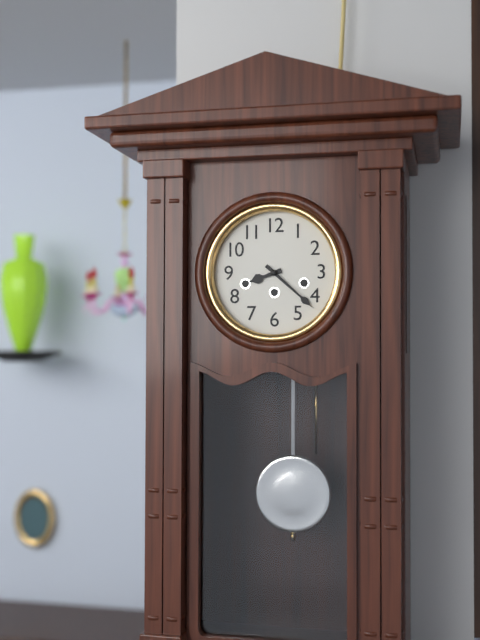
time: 8:22
